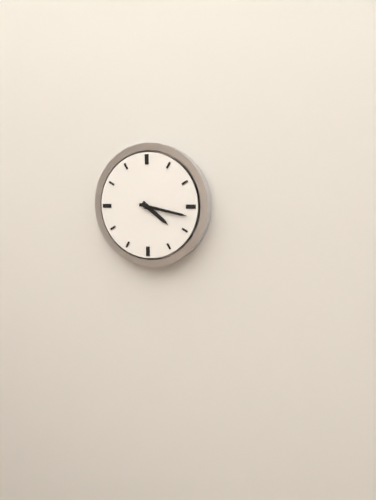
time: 4:17
